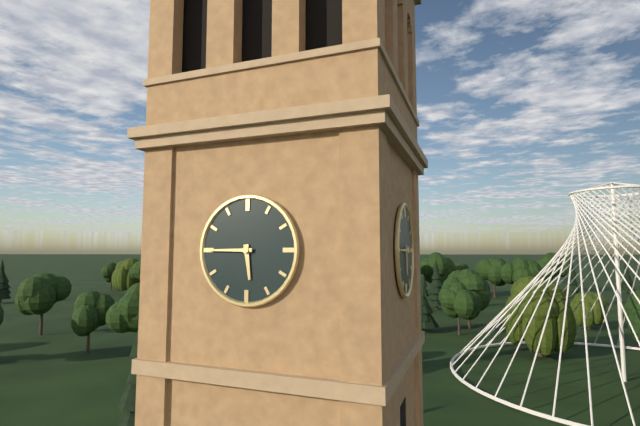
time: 5:45
